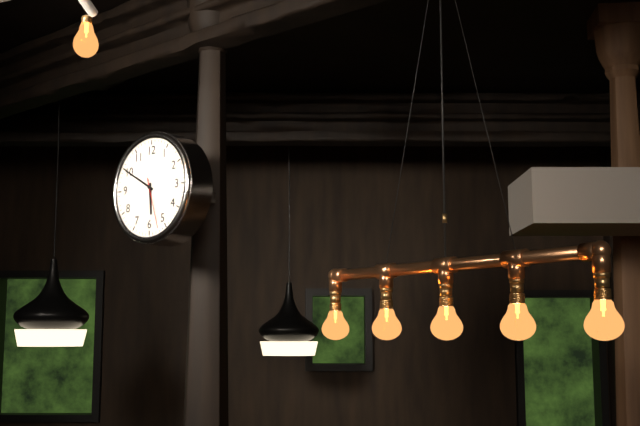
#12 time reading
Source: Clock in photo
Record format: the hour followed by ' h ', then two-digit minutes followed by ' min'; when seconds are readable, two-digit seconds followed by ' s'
5 h 50 min 27 s
